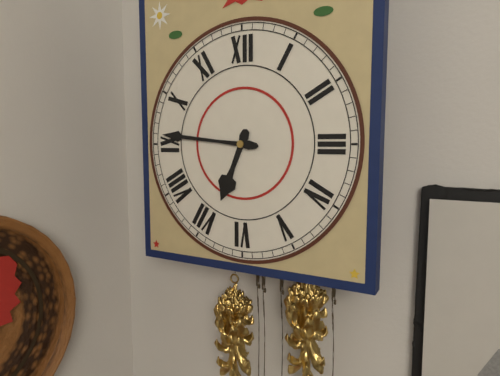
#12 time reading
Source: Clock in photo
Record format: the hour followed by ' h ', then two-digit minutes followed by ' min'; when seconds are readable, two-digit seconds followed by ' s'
6 h 46 min
